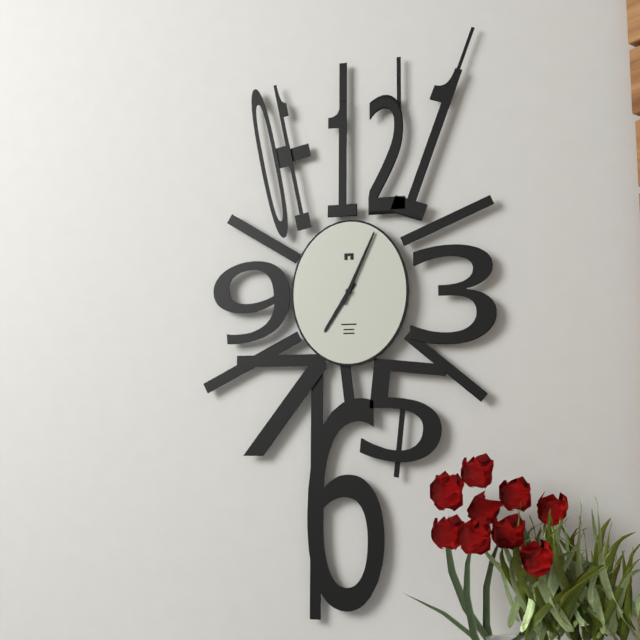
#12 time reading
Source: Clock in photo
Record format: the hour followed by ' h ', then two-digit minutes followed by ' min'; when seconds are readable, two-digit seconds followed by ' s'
7 h 04 min
